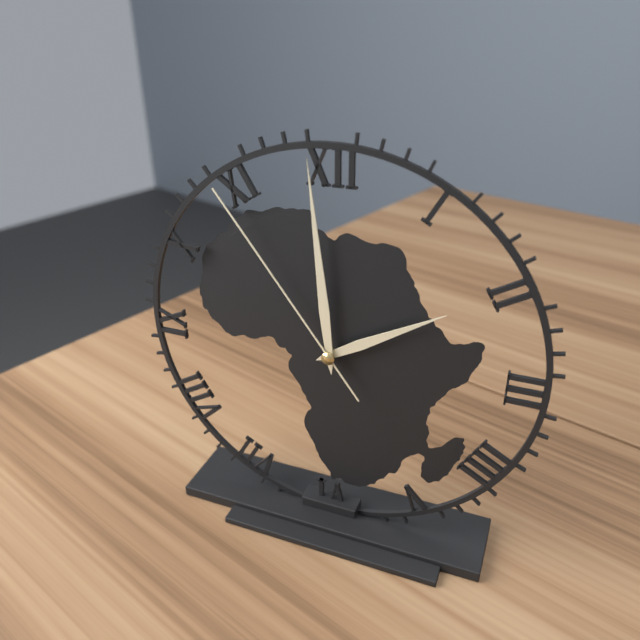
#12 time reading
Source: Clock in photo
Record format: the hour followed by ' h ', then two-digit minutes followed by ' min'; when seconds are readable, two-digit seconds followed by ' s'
1 h 59 min 54 s
